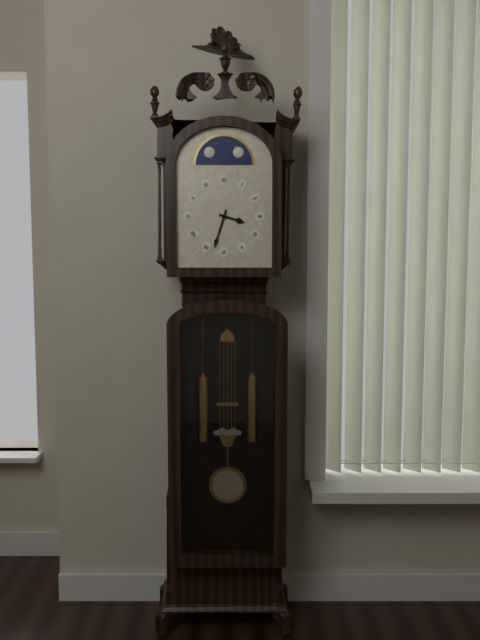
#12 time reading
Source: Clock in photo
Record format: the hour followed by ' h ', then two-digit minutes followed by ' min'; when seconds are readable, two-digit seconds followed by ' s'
3 h 33 min
